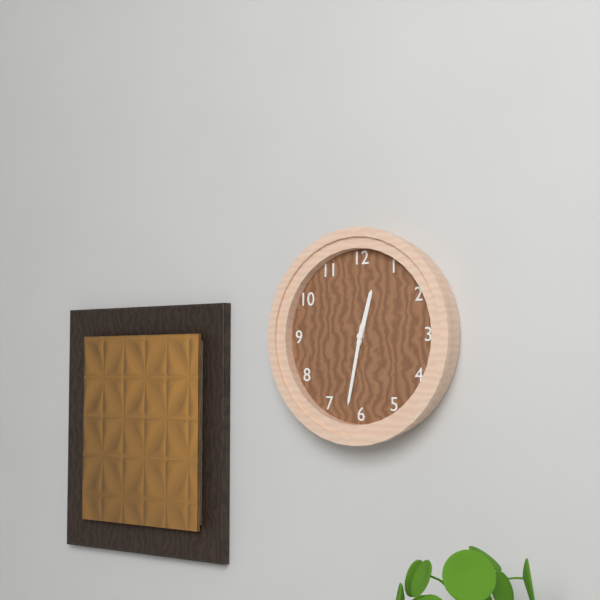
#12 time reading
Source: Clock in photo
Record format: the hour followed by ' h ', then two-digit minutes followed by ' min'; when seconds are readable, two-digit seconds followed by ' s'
12 h 32 min
